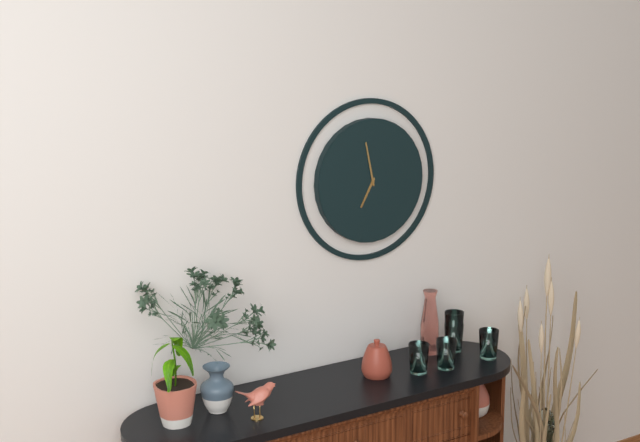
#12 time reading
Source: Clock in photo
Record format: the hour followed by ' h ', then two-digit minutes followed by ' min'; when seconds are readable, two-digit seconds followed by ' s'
6 h 58 min
